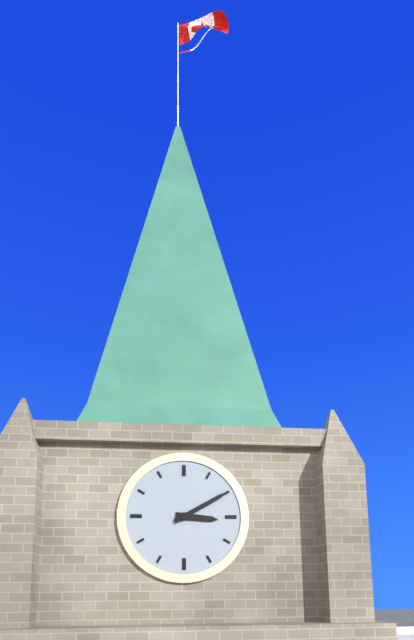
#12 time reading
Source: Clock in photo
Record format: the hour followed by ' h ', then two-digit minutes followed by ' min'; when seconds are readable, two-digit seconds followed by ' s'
3 h 10 min
